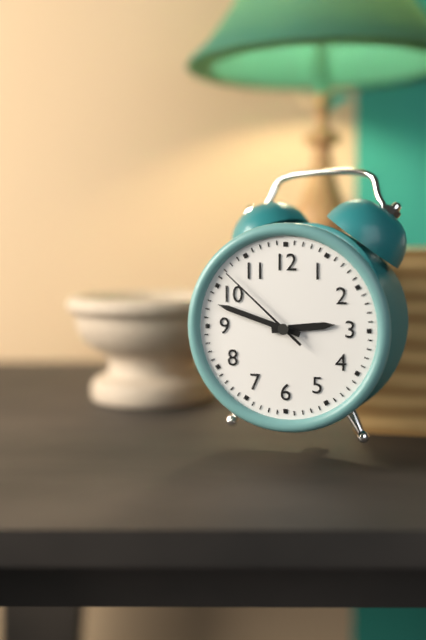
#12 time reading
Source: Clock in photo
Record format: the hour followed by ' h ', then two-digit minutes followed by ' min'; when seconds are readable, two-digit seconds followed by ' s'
2 h 48 min 52 s
